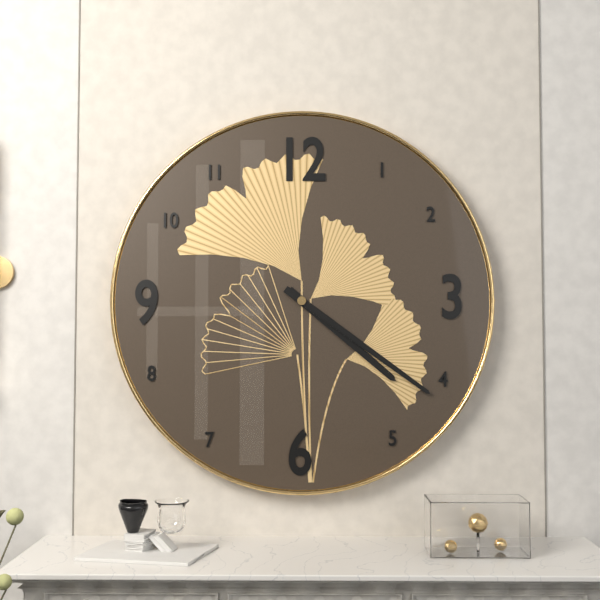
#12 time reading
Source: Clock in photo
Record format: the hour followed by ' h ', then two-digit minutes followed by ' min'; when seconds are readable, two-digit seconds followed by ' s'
4 h 21 min
